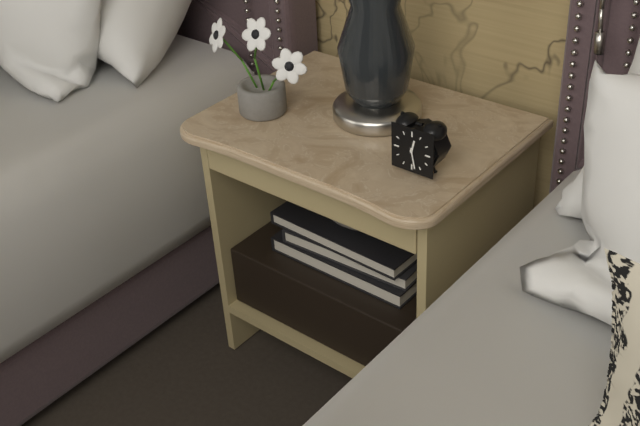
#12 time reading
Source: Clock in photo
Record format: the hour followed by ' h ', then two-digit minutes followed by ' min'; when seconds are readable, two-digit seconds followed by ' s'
12 h 28 min
